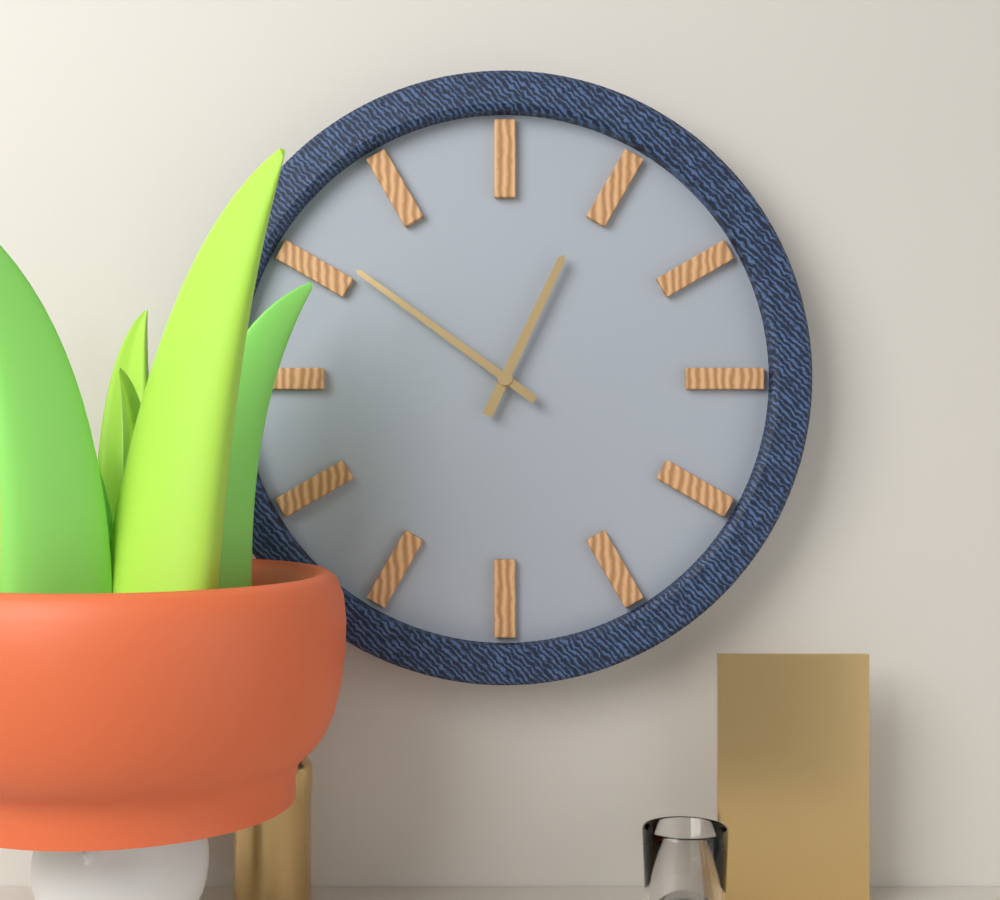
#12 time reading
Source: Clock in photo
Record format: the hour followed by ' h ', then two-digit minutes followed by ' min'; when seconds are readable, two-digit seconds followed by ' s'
12 h 51 min
